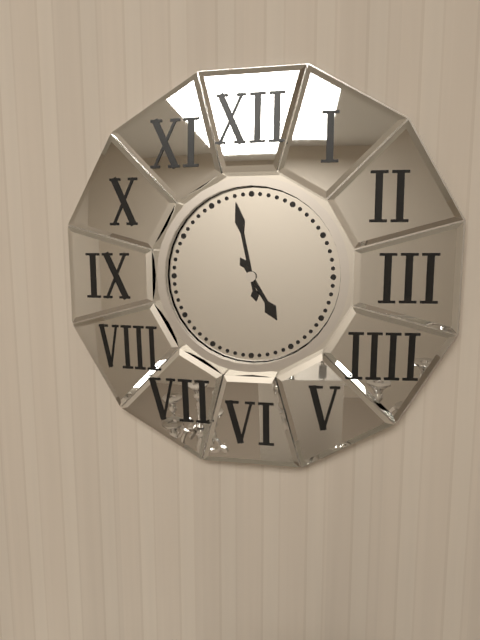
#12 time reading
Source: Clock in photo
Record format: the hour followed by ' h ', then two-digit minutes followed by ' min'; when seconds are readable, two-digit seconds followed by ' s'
4 h 58 min
